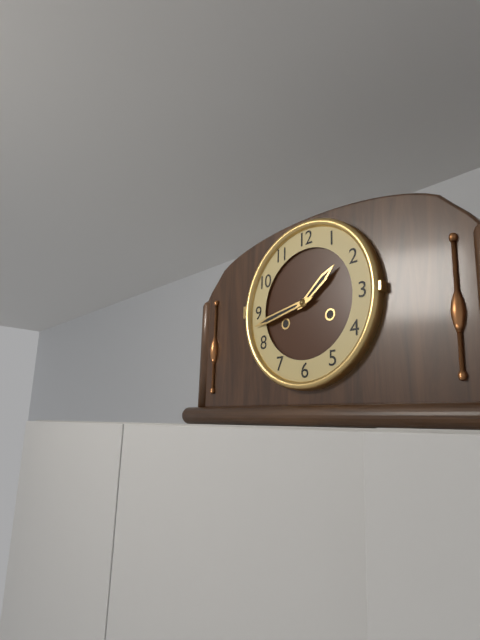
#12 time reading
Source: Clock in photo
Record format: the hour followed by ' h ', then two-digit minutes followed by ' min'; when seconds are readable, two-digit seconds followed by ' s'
1 h 43 min
